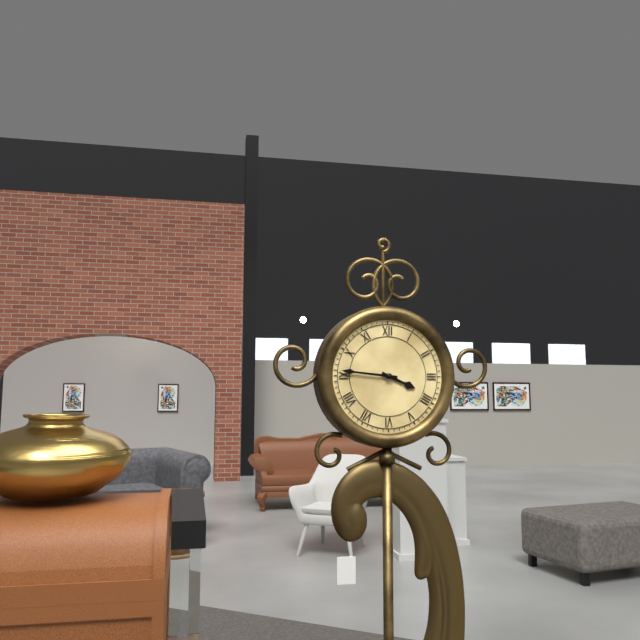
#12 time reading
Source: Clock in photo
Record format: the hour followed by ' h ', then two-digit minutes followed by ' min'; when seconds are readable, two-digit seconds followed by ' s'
3 h 46 min
